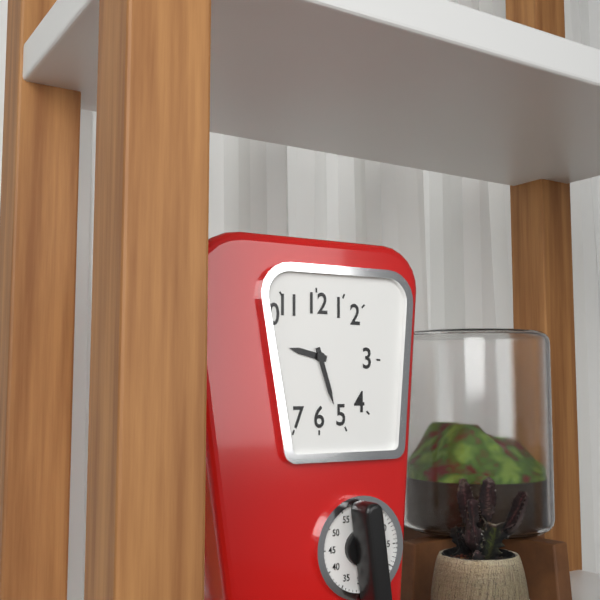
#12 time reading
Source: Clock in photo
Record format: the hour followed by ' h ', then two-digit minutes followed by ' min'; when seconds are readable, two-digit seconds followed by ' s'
9 h 27 min
